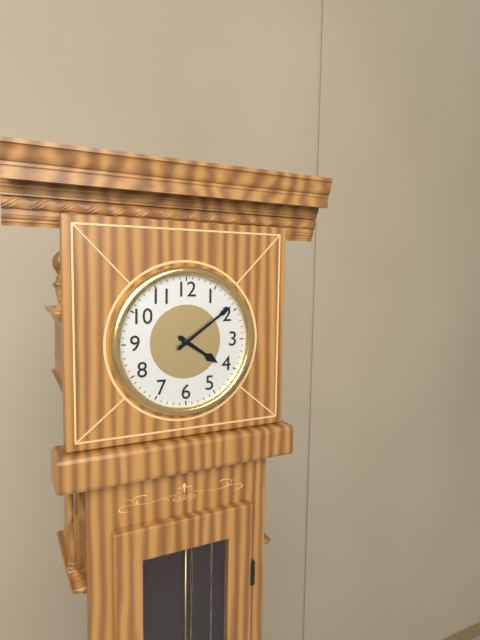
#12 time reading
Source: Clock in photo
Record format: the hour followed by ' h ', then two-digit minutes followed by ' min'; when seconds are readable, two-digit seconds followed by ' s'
4 h 09 min
